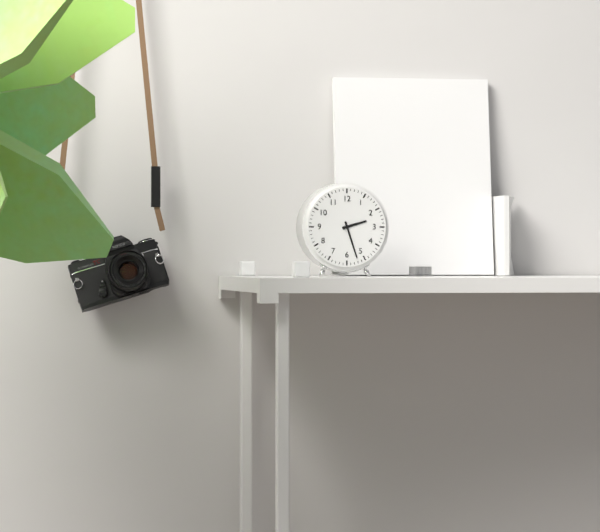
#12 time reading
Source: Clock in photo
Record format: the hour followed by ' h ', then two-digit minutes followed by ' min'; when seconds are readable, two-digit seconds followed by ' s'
2 h 27 min
